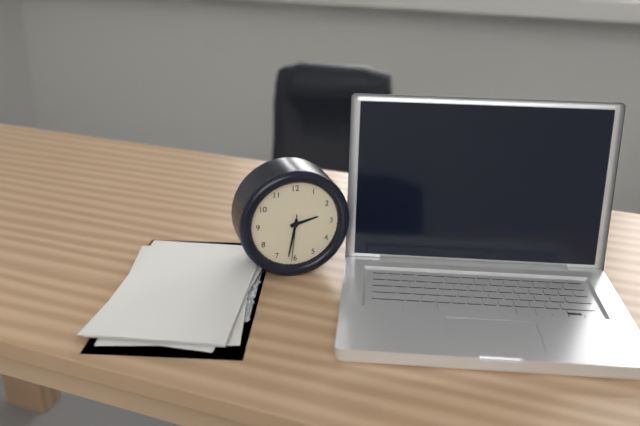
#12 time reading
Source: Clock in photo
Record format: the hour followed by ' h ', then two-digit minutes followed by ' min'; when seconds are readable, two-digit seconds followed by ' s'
2 h 32 min
